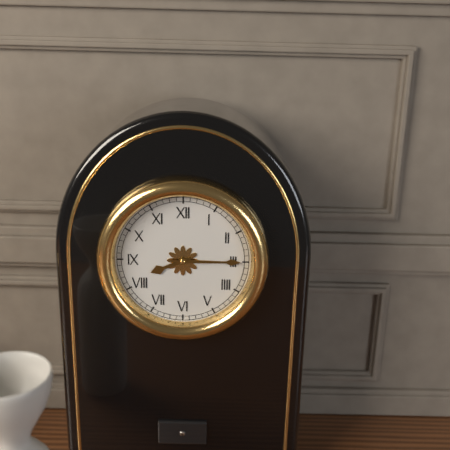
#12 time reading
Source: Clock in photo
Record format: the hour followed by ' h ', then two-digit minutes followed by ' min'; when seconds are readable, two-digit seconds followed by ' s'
8 h 15 min
